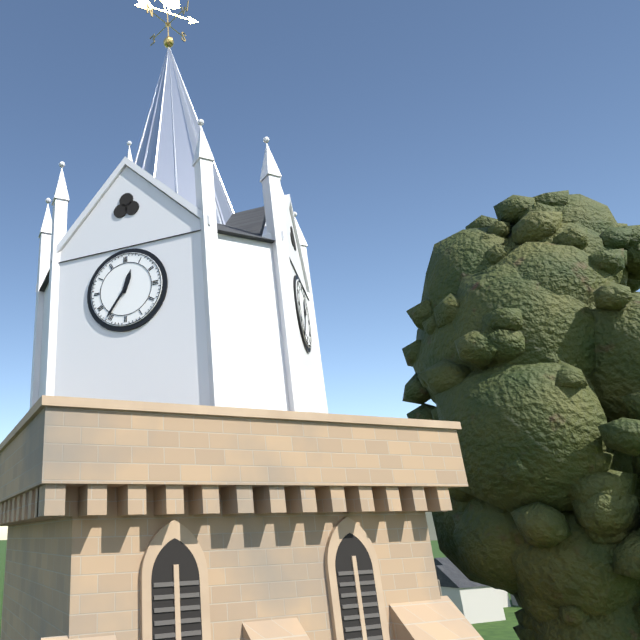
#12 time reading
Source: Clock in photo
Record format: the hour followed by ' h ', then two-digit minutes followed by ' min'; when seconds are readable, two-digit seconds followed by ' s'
12 h 36 min
